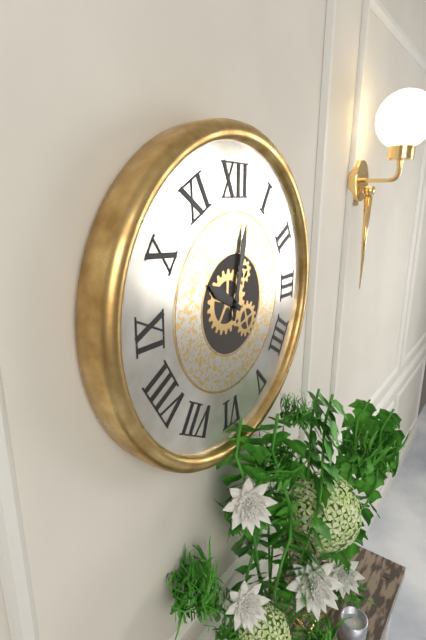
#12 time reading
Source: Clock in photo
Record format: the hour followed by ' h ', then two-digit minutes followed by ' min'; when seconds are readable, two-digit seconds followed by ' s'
10 h 02 min
